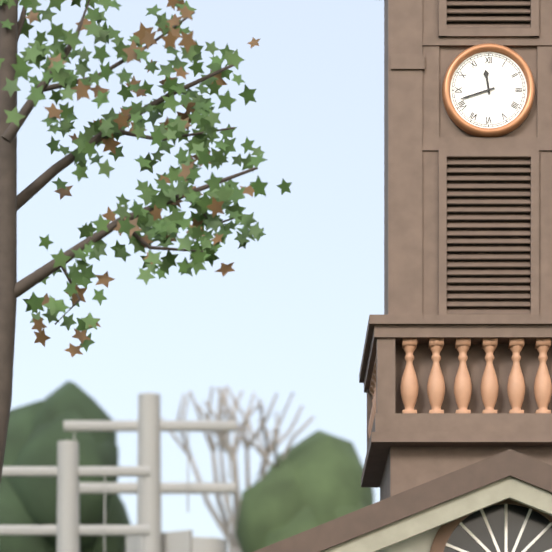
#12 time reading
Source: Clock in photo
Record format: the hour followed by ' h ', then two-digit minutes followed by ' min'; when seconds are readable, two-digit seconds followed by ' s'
11 h 42 min
